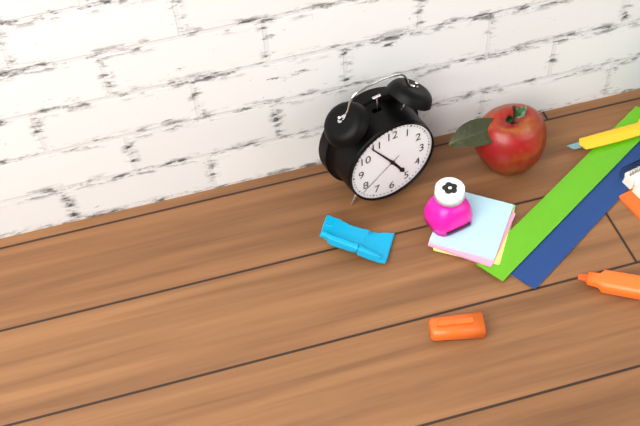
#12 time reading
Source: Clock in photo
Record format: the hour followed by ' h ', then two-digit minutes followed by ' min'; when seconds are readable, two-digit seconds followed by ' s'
4 h 54 min 39 s
